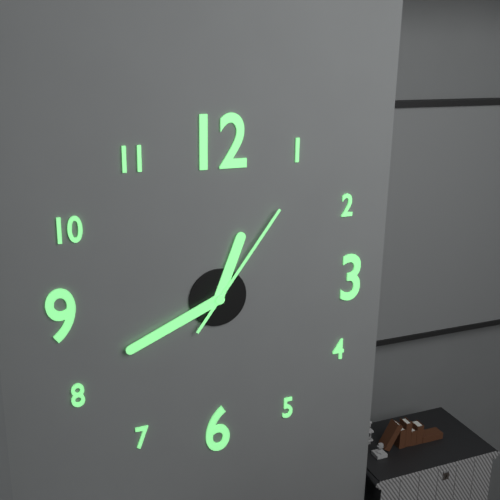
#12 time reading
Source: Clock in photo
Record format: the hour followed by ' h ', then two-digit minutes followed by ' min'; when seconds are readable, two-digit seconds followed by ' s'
12 h 41 min 06 s
